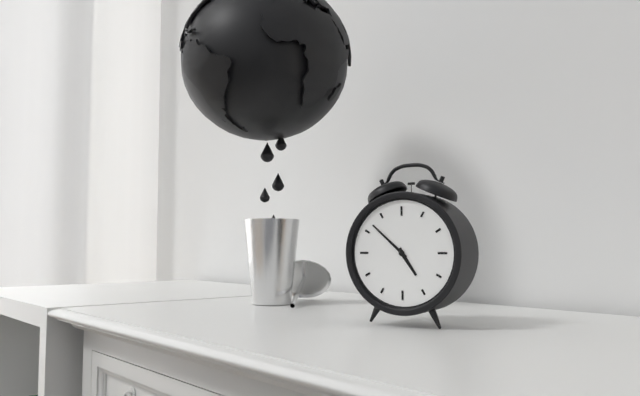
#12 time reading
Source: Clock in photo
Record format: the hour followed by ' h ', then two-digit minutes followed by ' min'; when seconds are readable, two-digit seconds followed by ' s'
4 h 52 min
